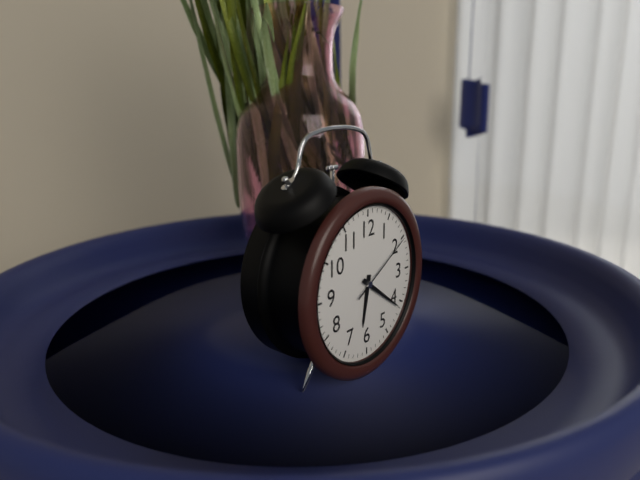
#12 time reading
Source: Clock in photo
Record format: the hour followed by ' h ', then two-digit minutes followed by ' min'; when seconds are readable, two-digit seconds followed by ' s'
6 h 21 min 10 s
